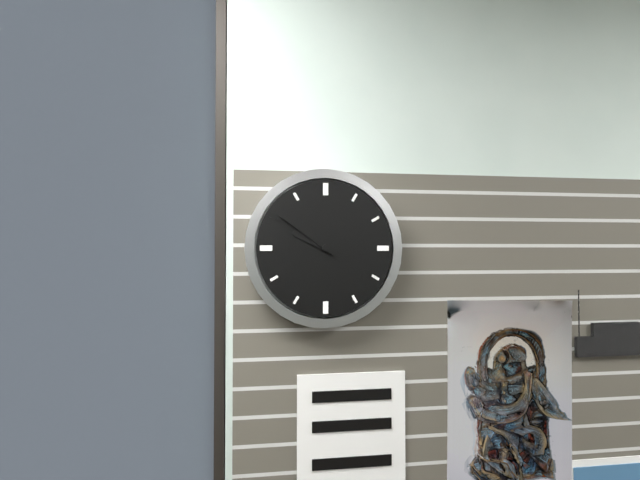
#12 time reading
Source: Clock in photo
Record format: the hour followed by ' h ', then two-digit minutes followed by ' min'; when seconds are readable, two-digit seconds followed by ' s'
9 h 51 min
